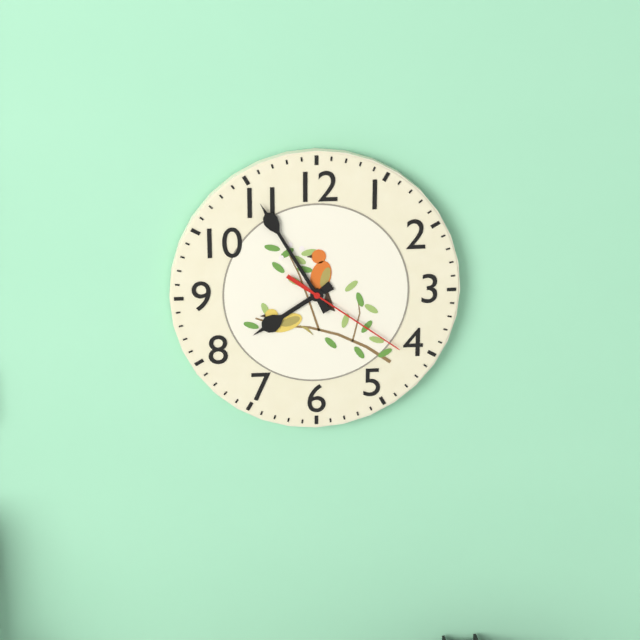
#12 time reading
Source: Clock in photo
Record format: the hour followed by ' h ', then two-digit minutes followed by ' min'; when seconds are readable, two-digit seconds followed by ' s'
7 h 55 min 21 s
